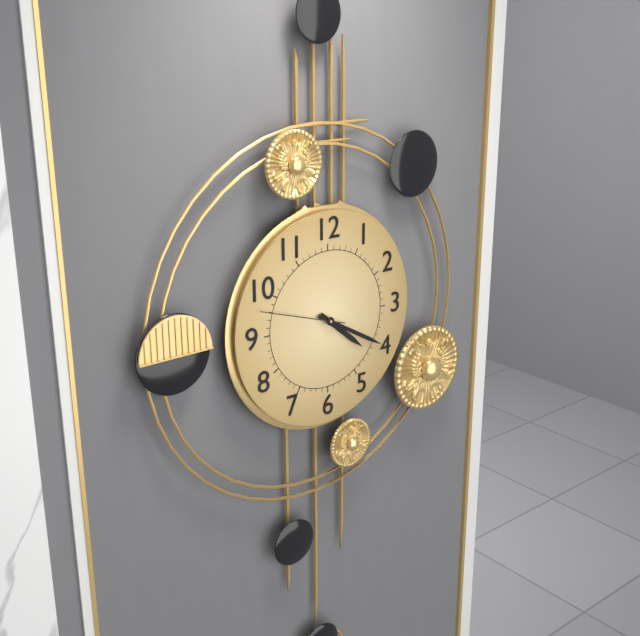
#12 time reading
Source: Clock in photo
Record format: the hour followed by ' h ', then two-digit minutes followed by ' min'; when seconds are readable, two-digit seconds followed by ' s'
4 h 20 min 48 s
